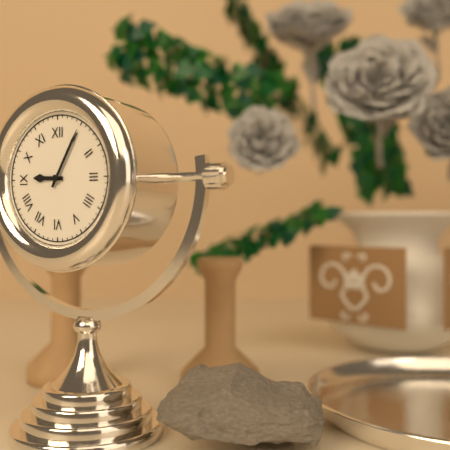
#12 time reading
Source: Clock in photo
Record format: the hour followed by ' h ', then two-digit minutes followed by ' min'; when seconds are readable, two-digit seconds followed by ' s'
9 h 05 min
